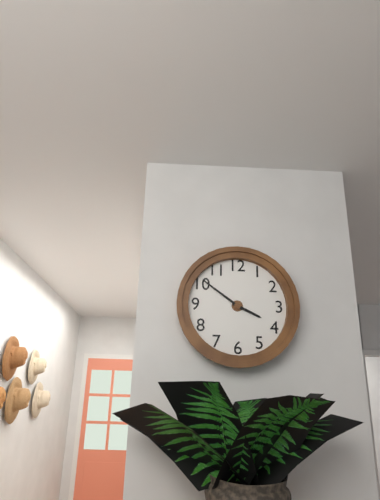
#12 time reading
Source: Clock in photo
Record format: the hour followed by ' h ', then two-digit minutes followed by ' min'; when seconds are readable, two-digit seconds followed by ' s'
3 h 51 min
